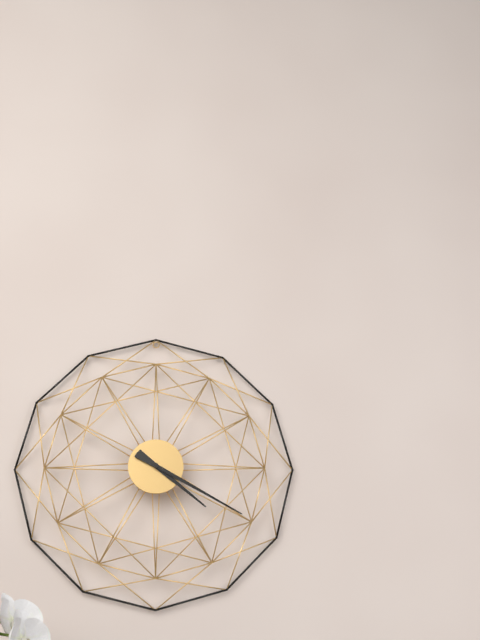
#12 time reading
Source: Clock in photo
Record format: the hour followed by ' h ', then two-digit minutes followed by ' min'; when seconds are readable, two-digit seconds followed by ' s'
4 h 20 min
